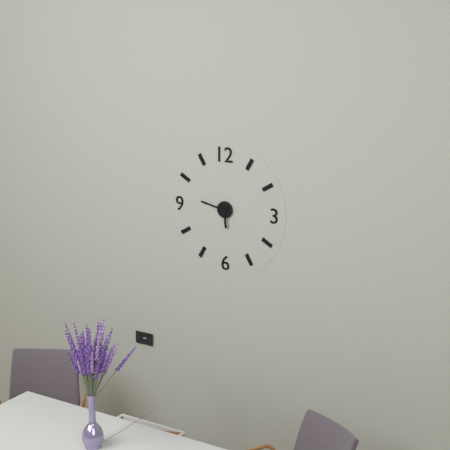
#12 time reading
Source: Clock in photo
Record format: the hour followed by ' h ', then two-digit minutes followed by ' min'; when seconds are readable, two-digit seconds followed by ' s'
5 h 47 min
